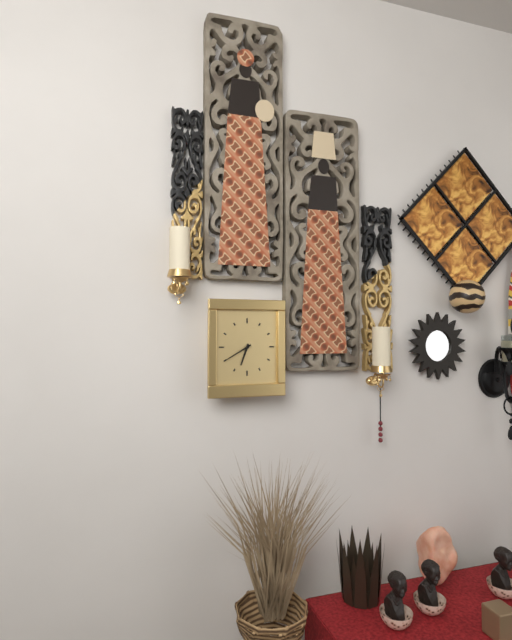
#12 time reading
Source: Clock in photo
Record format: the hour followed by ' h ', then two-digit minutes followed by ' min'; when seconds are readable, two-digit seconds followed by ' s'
6 h 40 min
